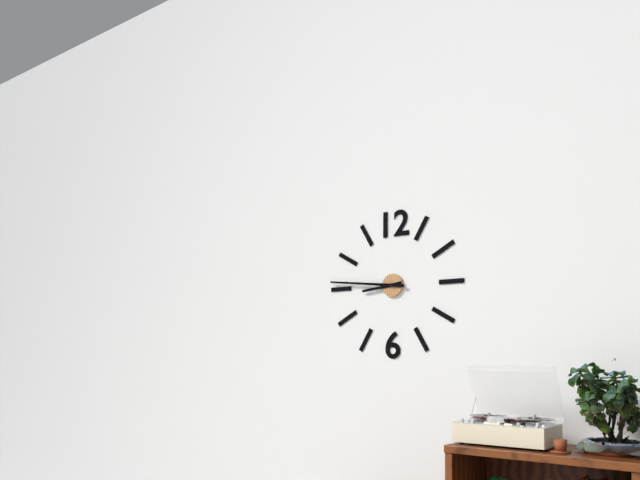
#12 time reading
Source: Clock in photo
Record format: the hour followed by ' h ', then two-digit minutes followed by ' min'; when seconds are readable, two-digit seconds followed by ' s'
8 h 46 min
